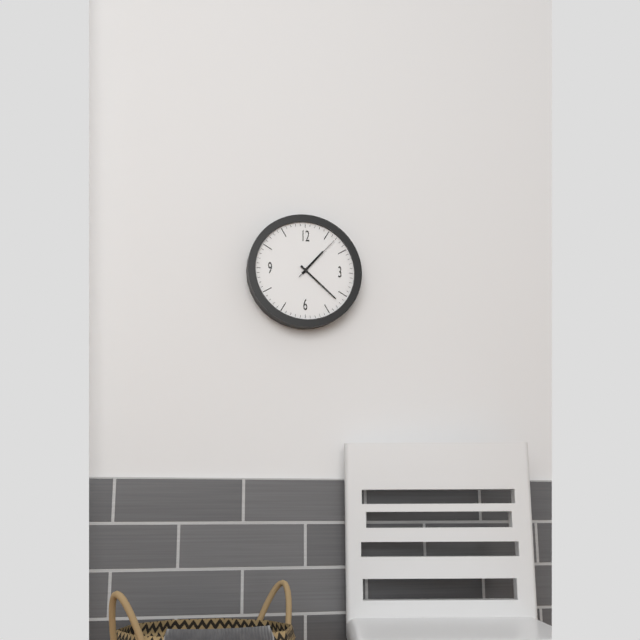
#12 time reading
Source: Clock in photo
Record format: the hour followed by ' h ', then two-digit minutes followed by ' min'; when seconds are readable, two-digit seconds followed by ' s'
1 h 22 min 07 s
